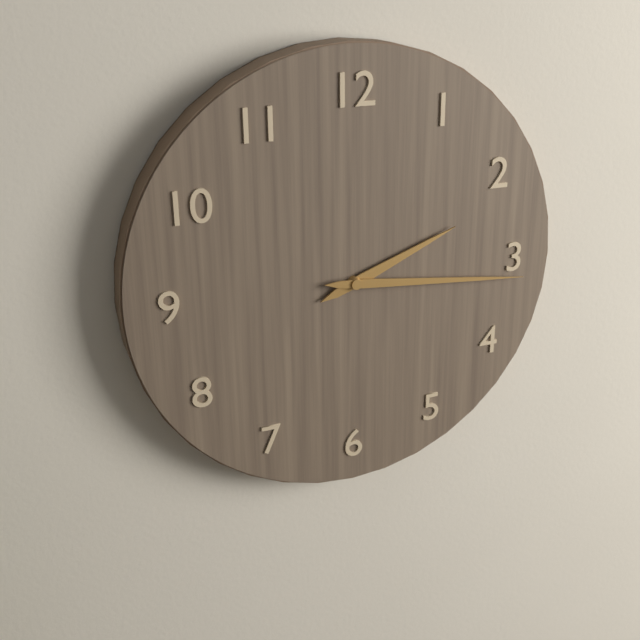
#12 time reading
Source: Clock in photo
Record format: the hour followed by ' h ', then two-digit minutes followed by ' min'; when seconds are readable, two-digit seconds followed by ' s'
2 h 16 min
